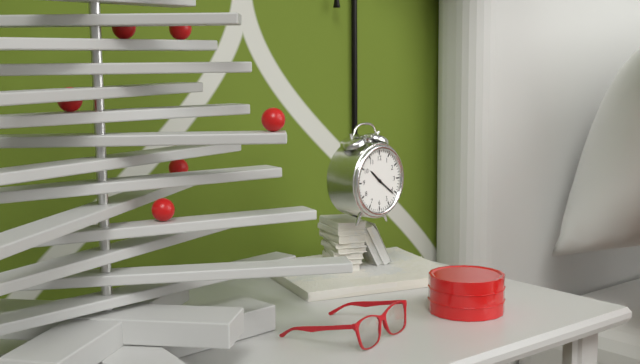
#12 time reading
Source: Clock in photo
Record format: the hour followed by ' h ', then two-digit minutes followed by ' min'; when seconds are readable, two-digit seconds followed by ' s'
10 h 21 min
